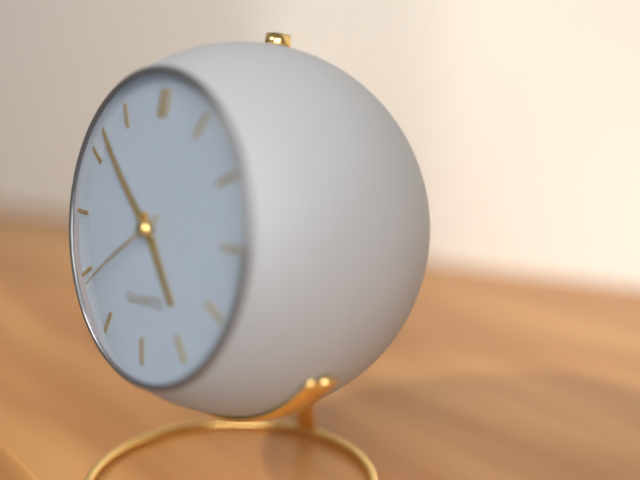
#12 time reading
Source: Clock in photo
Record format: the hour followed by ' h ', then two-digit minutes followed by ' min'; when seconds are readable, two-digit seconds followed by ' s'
4 h 52 min 39 s
